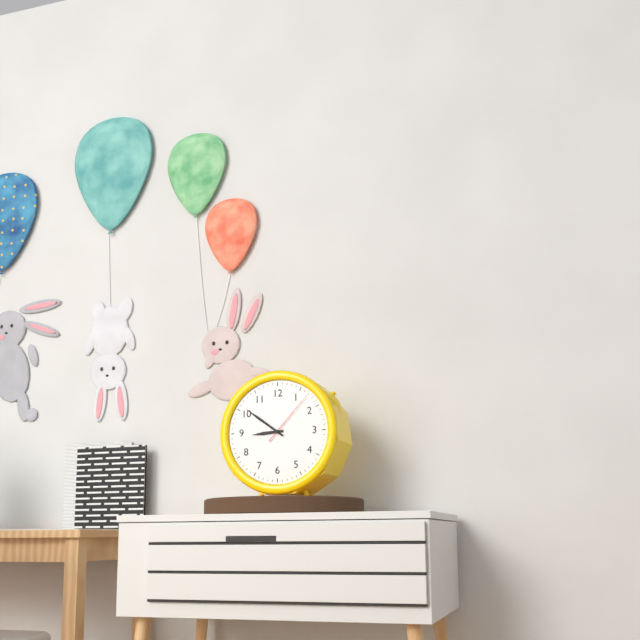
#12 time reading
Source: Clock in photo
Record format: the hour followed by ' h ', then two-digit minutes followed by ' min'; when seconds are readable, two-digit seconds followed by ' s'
8 h 51 min 07 s
